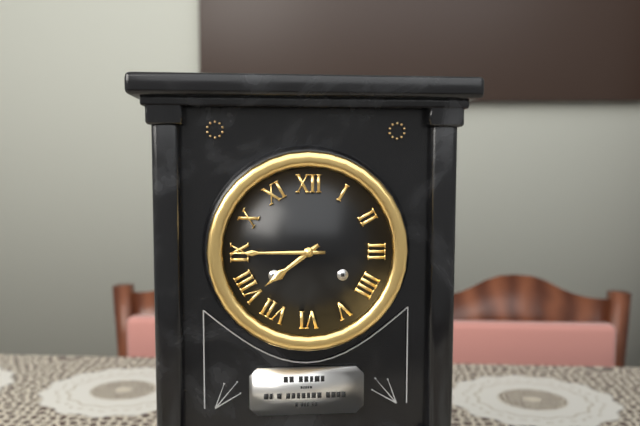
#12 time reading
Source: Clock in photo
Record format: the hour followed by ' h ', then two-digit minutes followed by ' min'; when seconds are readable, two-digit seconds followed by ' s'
7 h 45 min
